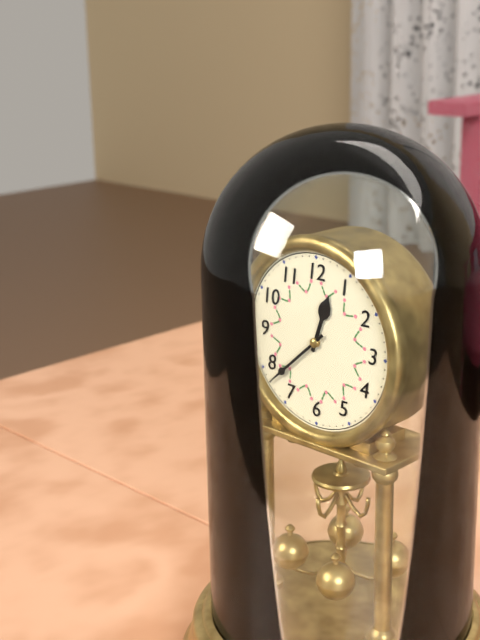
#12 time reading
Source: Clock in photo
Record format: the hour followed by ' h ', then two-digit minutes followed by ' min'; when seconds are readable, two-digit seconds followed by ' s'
12 h 38 min
